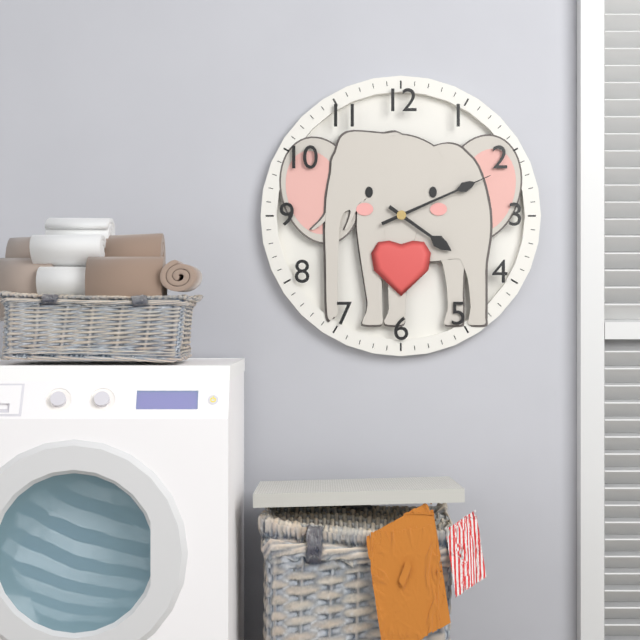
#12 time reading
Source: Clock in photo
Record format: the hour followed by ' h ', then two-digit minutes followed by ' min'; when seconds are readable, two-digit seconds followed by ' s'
4 h 11 min
